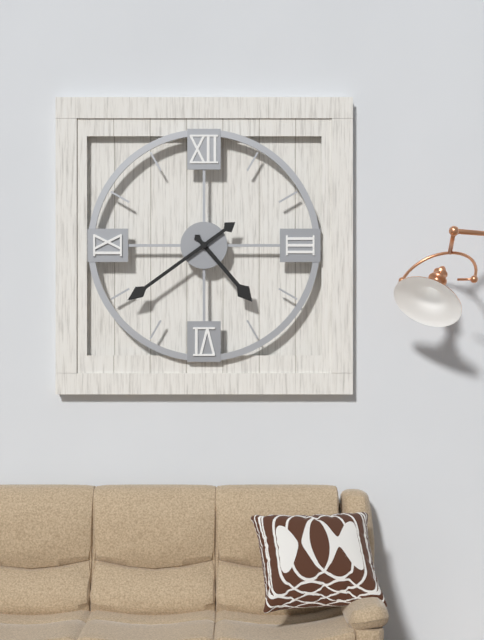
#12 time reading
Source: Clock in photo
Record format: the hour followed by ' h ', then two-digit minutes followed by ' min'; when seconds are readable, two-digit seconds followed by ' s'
4 h 39 min
